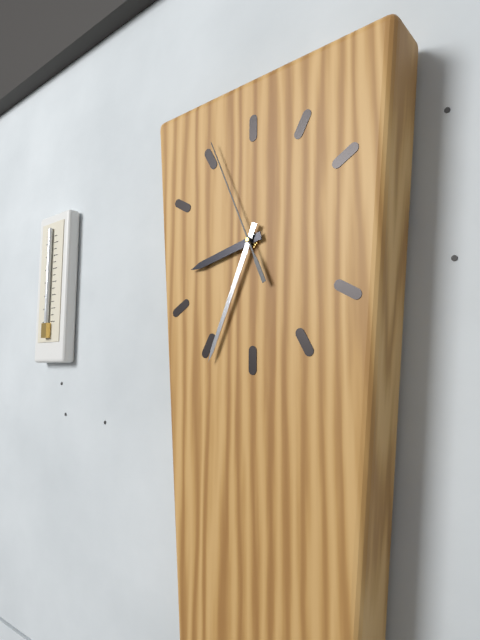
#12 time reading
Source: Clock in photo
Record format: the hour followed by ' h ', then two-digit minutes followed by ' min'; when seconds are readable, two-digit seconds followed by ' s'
8 h 34 min 56 s
